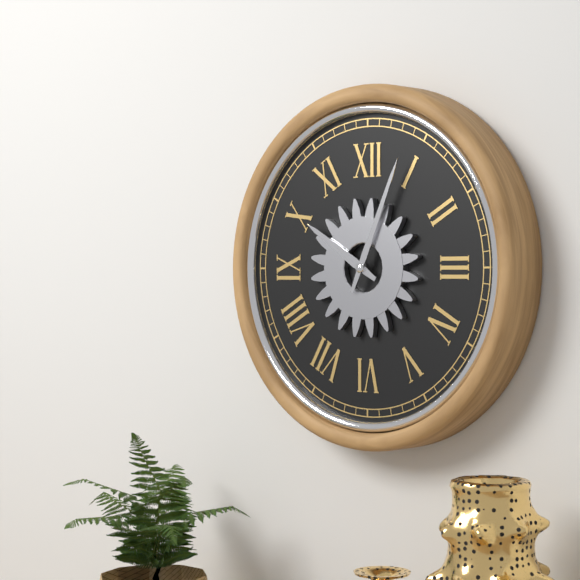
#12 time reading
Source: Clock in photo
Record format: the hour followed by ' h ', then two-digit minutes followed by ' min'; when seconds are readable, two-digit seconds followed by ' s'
10 h 04 min
